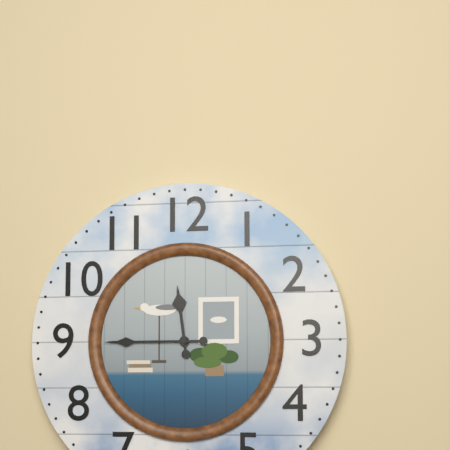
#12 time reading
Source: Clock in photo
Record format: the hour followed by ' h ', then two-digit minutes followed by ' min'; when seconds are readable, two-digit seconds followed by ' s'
11 h 45 min
